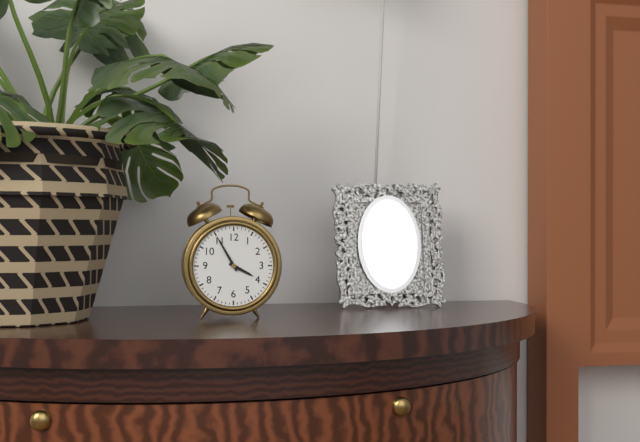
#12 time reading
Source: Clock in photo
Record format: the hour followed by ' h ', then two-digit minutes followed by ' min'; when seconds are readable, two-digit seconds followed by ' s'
3 h 55 min
